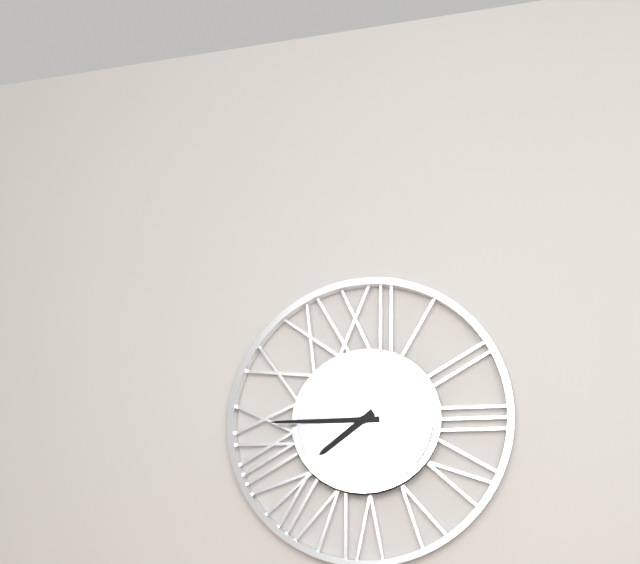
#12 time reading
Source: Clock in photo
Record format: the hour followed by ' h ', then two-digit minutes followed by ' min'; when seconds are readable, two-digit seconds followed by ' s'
7 h 45 min
